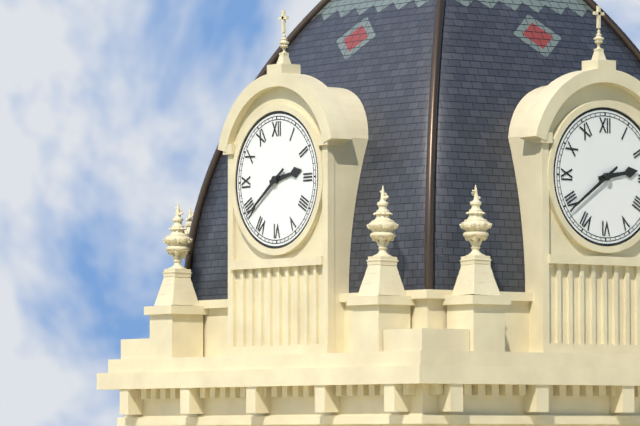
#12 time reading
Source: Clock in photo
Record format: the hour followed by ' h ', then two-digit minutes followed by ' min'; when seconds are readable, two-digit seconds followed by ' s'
2 h 39 min
